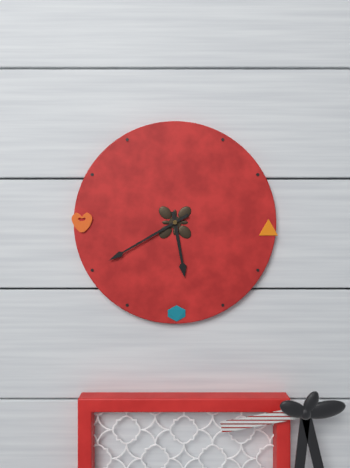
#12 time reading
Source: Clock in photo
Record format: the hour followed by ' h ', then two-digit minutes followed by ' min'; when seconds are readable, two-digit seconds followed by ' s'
5 h 40 min
